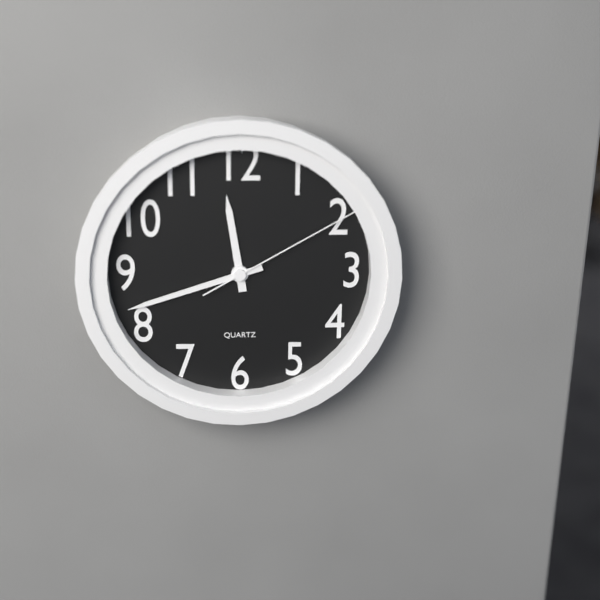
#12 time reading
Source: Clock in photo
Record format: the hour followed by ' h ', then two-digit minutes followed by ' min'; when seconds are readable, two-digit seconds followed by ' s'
11 h 42 min 10 s
